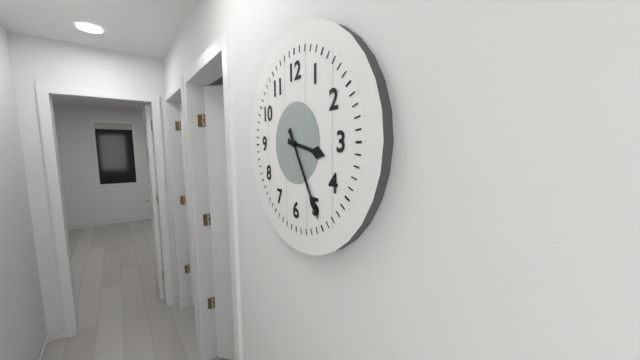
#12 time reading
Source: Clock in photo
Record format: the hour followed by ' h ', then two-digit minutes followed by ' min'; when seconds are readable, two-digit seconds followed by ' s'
3 h 25 min
